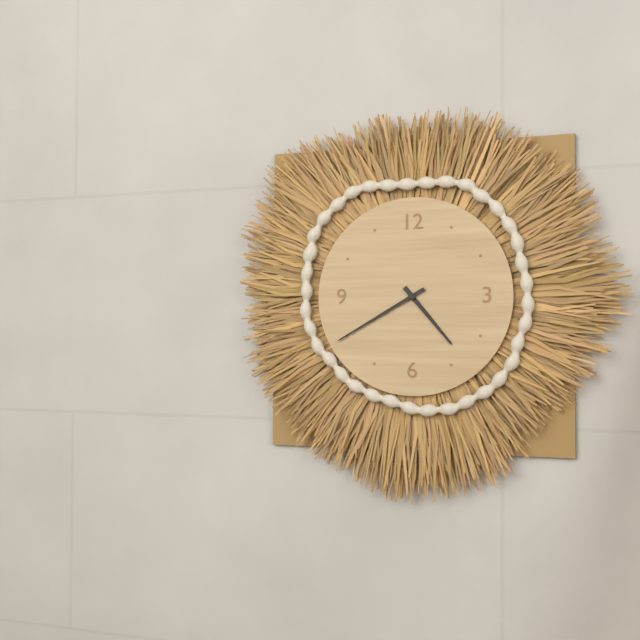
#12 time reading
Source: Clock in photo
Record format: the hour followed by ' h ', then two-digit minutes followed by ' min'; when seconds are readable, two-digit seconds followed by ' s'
4 h 40 min
